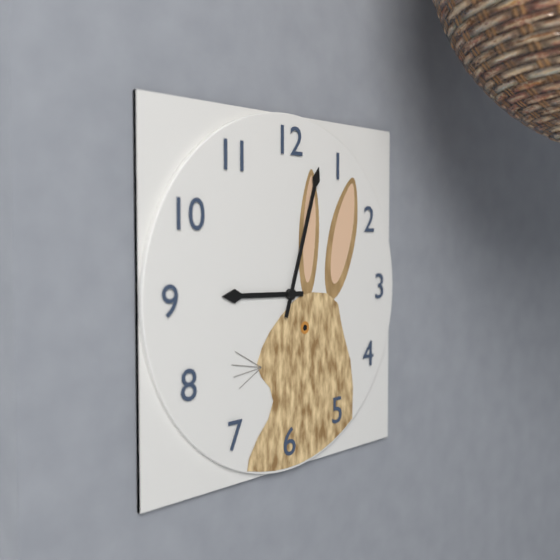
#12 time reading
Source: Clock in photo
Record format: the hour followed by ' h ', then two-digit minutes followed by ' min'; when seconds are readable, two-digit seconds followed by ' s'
9 h 03 min
